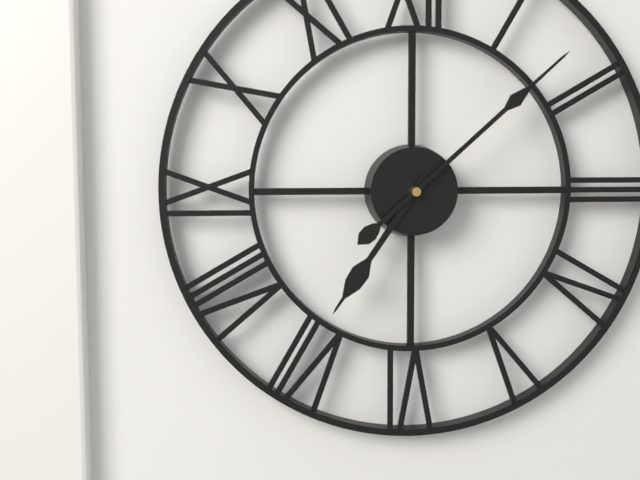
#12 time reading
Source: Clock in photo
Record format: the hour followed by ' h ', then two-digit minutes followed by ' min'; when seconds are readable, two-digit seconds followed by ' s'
7 h 08 min
